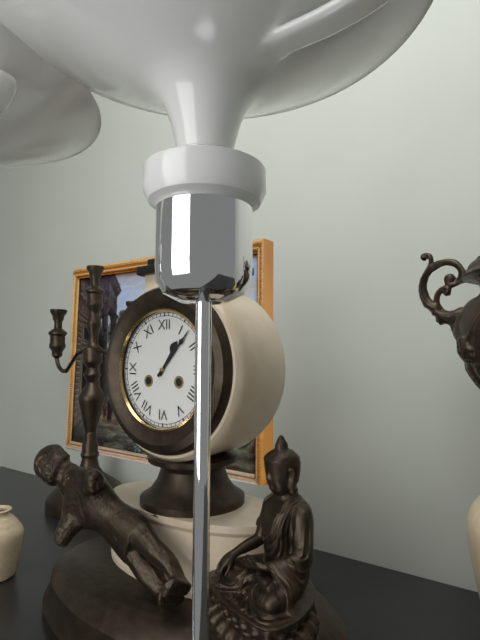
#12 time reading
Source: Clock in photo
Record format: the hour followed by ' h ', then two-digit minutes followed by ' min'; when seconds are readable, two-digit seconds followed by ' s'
1 h 07 min
